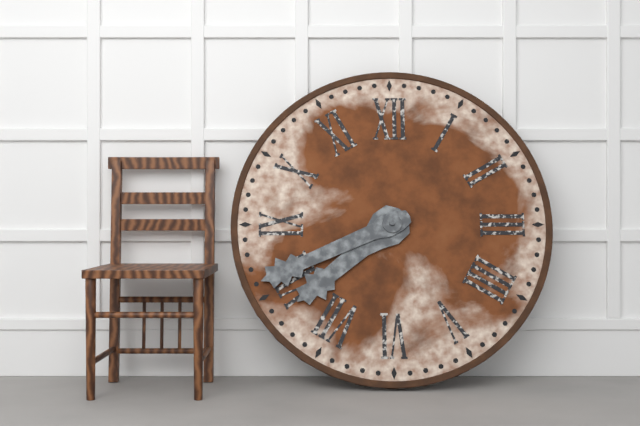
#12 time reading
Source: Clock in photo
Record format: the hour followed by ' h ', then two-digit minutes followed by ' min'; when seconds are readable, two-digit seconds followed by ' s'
7 h 41 min
